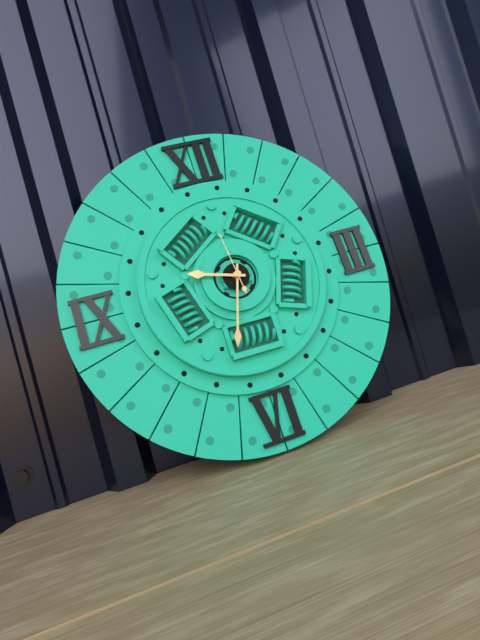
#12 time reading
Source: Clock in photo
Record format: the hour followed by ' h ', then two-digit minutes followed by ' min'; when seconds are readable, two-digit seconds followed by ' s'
9 h 33 min 59 s
